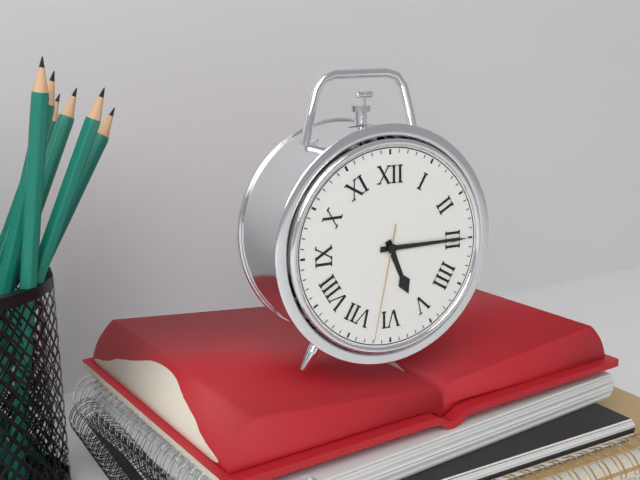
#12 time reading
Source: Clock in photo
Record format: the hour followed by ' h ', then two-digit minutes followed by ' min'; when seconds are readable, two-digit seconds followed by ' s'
5 h 15 min 32 s
